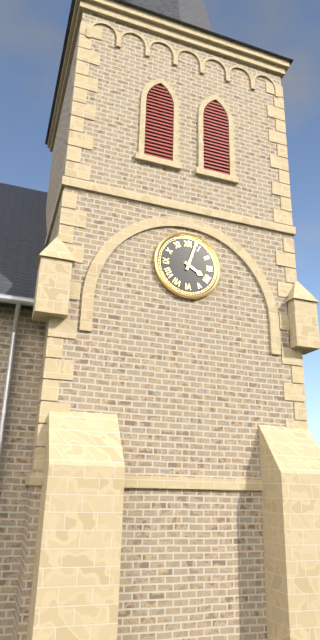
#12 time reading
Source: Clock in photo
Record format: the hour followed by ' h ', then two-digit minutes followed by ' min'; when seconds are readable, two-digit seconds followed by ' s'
4 h 03 min
